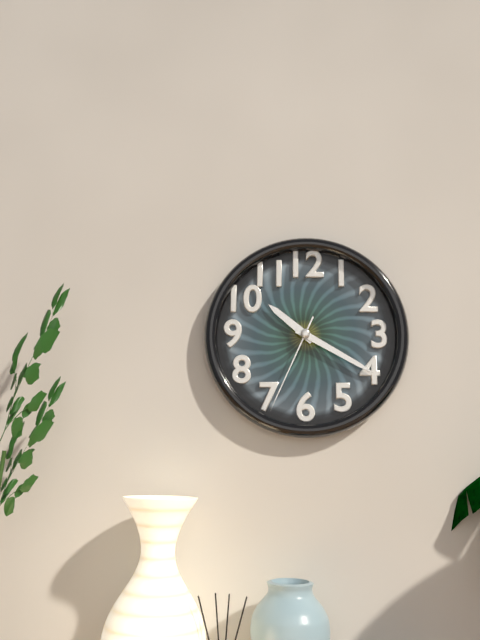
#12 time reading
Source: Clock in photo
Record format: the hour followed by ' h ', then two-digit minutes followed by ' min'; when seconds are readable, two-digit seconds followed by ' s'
10 h 20 min 34 s
